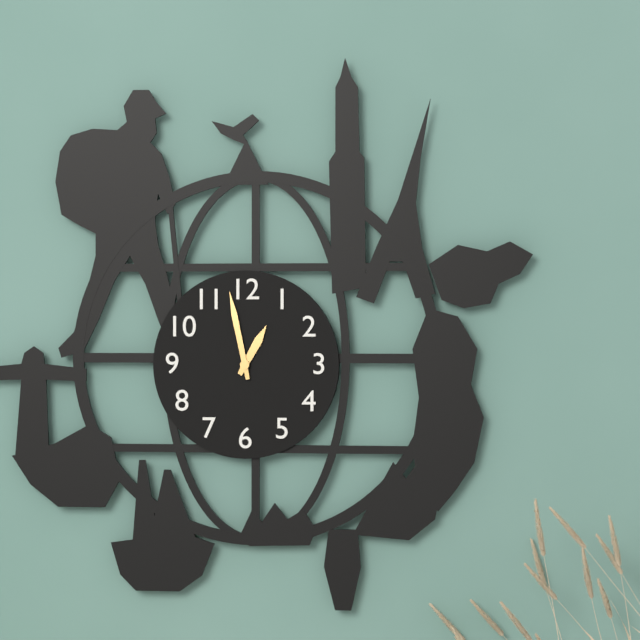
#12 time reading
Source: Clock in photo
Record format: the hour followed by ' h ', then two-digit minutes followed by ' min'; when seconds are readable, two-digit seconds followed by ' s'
12 h 58 min
